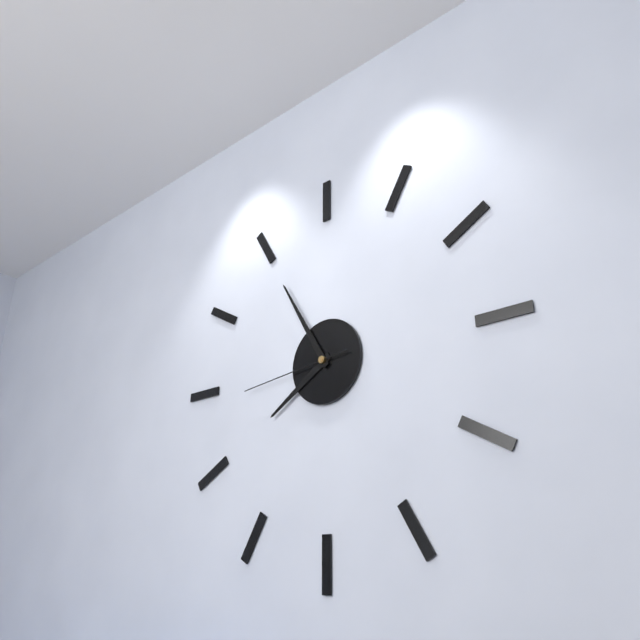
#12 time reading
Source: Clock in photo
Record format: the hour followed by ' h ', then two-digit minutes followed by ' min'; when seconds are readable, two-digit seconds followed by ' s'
7 h 55 min 44 s
